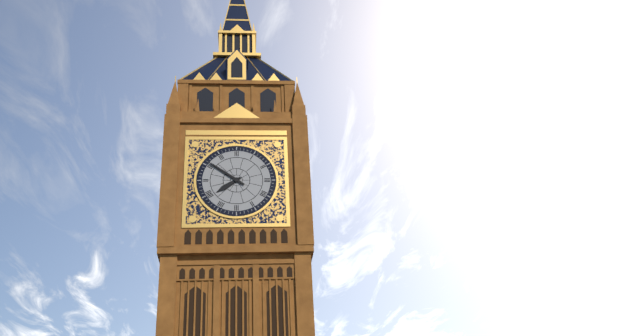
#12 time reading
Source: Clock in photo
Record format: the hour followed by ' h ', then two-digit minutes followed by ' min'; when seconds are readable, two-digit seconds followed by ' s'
7 h 51 min
